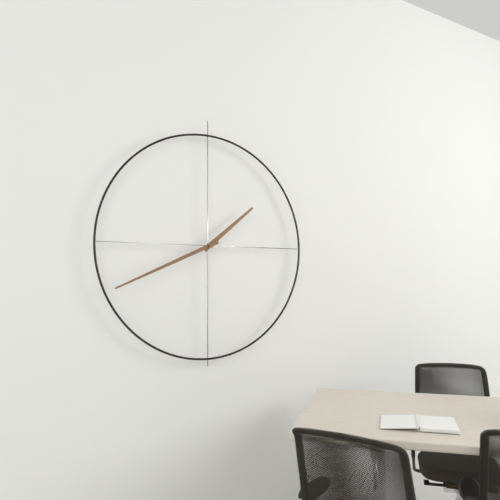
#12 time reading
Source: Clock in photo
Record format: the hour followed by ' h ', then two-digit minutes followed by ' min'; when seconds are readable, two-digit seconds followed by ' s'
1 h 41 min
